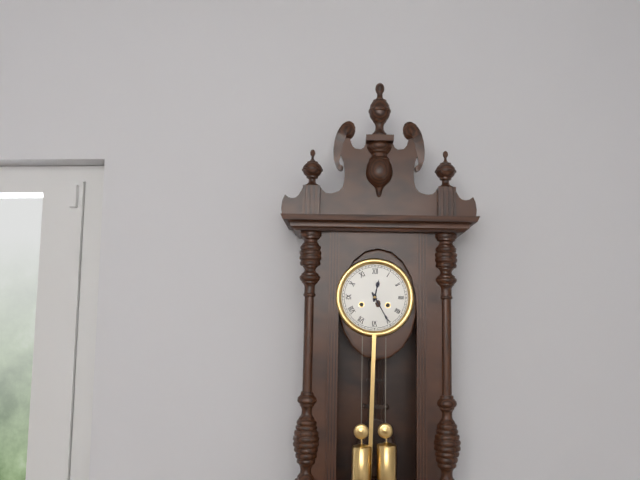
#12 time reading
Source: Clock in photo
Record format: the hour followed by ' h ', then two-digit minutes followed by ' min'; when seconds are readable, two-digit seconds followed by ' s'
12 h 25 min
